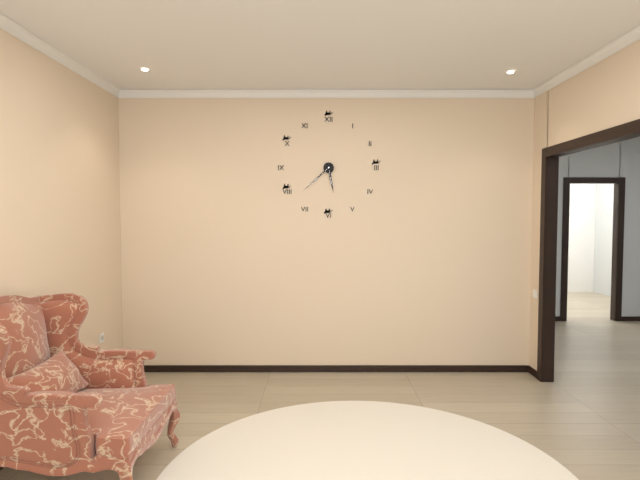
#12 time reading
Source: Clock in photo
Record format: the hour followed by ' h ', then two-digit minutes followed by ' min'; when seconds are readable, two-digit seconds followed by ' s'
5 h 38 min
